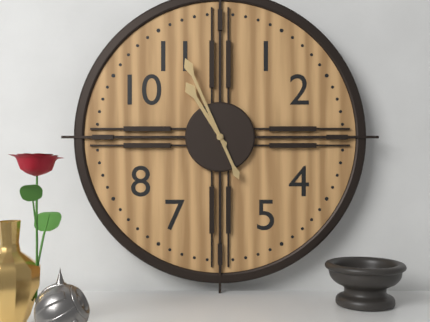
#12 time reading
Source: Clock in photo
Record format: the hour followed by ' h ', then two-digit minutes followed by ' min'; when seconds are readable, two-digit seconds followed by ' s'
10 h 56 min
